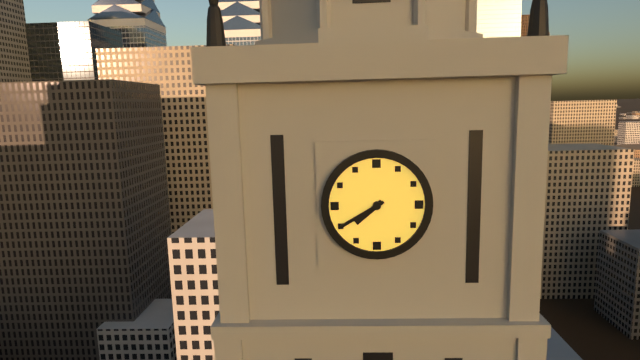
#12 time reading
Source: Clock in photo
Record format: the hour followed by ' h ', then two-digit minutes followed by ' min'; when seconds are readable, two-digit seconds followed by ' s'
7 h 40 min
